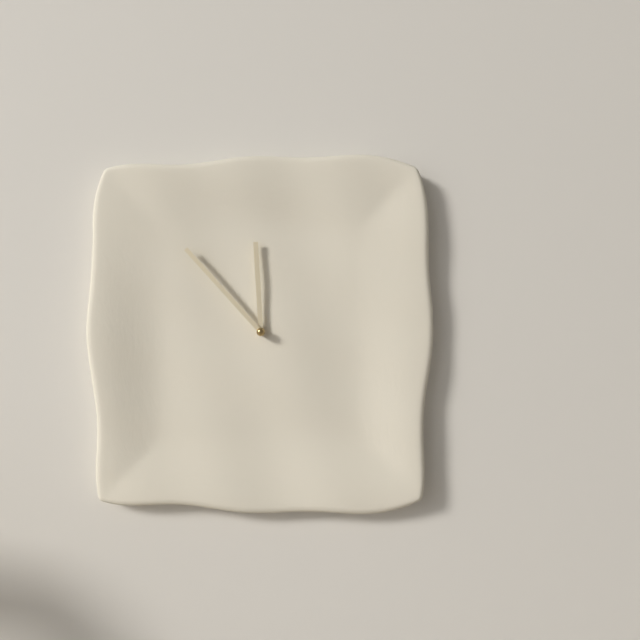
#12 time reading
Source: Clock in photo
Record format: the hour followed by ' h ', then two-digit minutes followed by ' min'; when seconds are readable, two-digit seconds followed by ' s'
11 h 53 min
